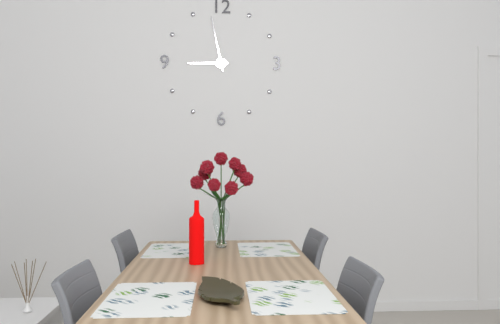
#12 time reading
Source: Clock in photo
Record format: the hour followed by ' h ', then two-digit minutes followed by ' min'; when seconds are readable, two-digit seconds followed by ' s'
8 h 58 min
